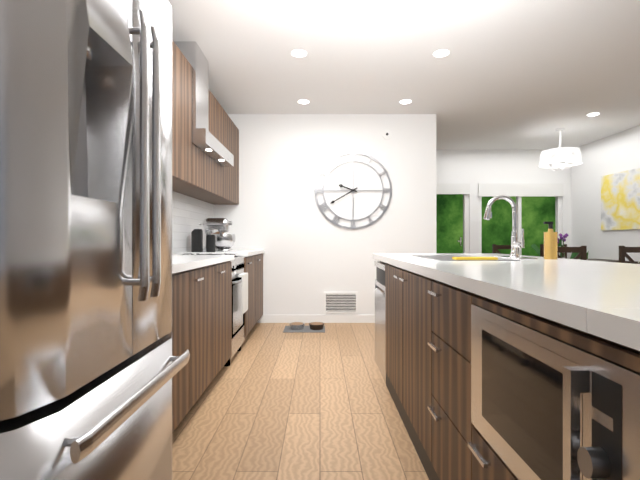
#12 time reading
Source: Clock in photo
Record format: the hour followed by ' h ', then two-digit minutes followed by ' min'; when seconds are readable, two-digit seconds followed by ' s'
9 h 40 min
